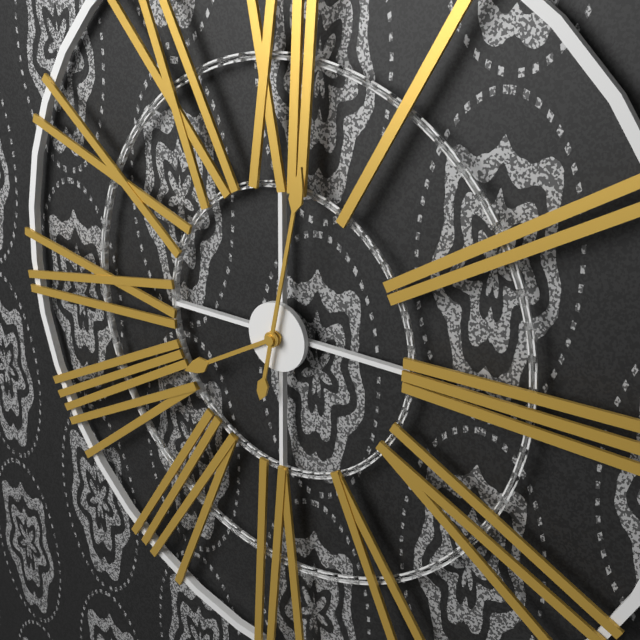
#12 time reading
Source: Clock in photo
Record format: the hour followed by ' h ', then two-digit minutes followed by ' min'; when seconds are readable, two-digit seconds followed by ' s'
8 h 02 min
